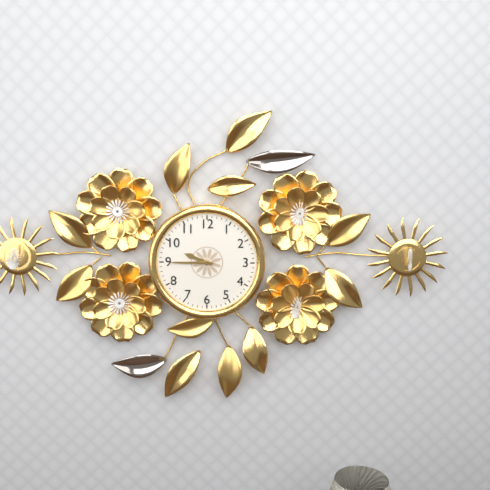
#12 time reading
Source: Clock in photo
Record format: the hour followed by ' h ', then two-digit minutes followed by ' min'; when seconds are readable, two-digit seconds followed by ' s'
9 h 45 min
